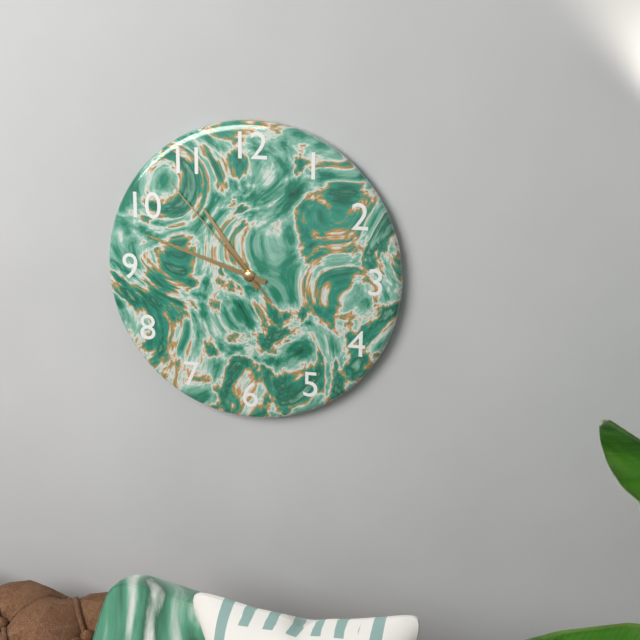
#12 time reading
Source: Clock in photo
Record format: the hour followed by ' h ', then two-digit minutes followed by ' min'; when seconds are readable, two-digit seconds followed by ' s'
10 h 48 min 53 s
